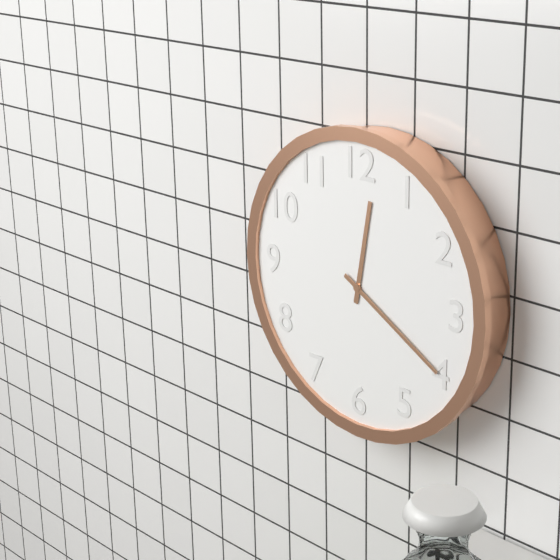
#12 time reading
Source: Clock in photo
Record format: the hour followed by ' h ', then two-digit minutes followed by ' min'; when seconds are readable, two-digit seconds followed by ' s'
12 h 20 min
